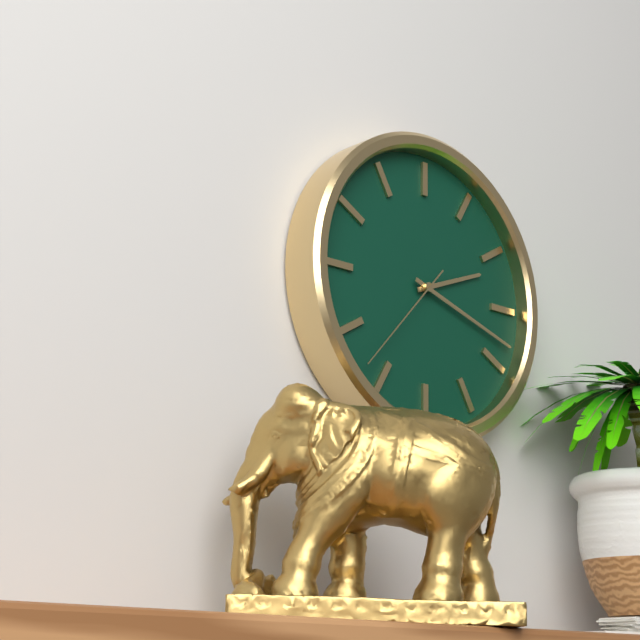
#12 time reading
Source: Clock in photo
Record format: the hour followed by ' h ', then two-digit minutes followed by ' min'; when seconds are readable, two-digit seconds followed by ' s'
2 h 18 min 37 s
